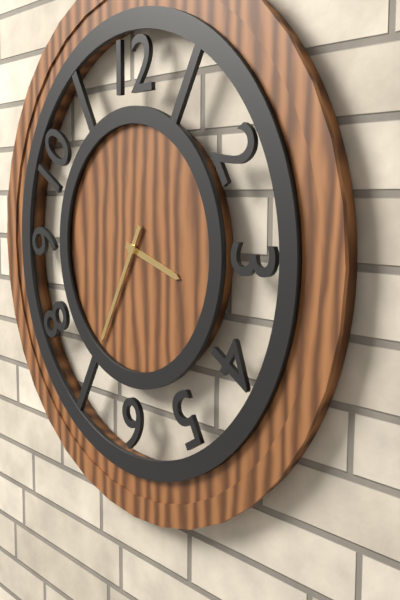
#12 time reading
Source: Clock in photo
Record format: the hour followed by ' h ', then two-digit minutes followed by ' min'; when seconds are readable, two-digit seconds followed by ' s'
3 h 35 min
